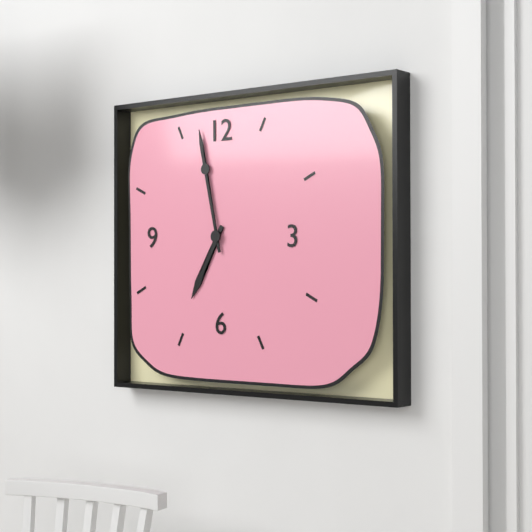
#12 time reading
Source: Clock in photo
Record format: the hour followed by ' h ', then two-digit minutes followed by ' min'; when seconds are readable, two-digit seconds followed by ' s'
6 h 58 min
